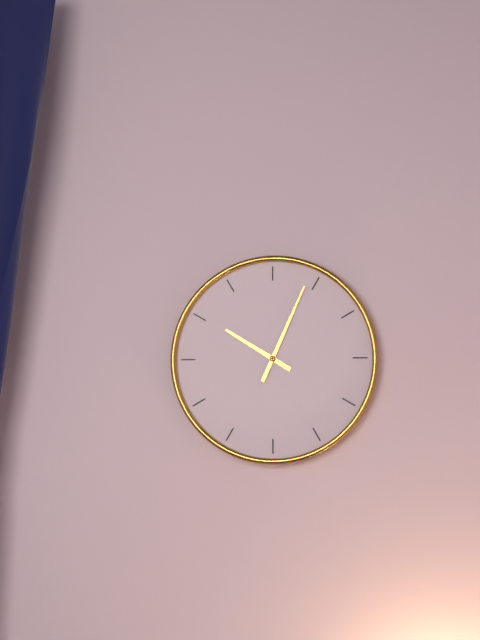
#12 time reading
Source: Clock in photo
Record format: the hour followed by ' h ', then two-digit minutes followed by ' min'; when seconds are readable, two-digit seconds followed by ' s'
10 h 04 min
